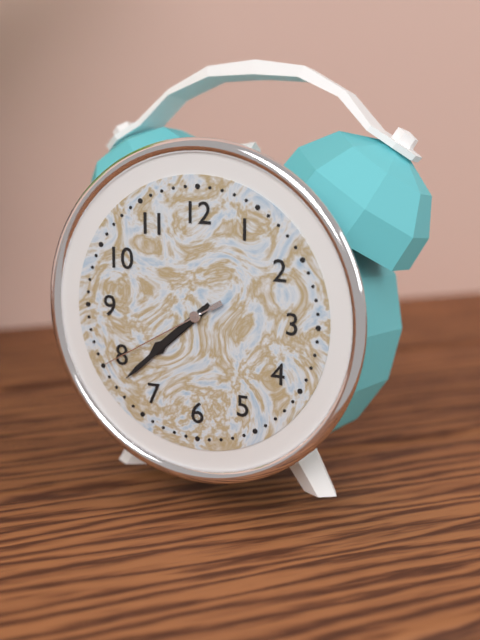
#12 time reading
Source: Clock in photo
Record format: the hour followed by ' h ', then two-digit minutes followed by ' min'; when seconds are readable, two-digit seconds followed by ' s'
7 h 38 min 40 s
